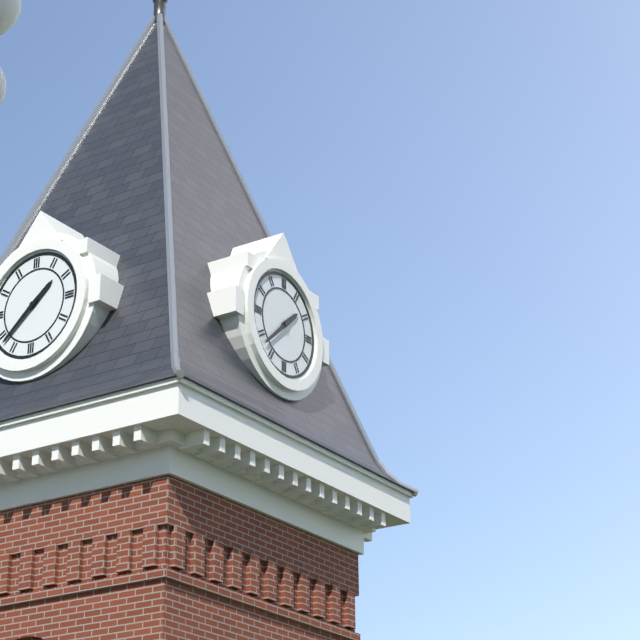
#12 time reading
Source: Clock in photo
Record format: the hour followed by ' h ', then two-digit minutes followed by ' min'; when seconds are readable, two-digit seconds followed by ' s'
1 h 38 min
